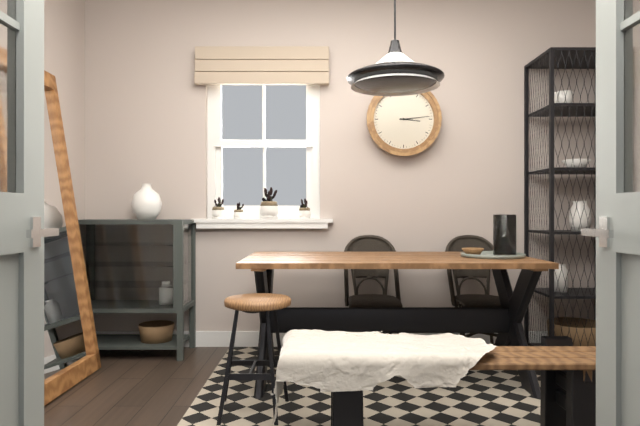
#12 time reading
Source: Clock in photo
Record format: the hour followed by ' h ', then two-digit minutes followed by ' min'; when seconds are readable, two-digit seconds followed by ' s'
3 h 14 min
